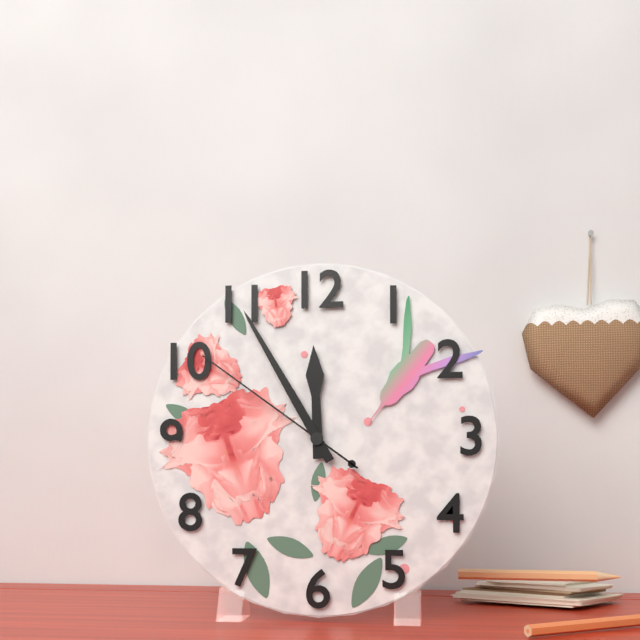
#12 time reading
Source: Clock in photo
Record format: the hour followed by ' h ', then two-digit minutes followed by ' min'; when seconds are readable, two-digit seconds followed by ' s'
11 h 55 min 51 s
